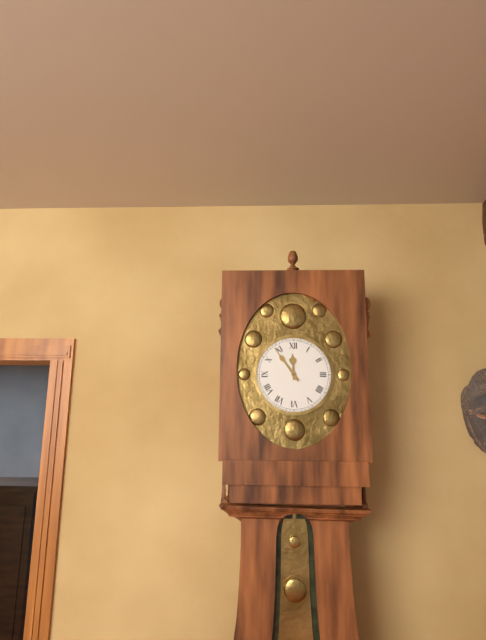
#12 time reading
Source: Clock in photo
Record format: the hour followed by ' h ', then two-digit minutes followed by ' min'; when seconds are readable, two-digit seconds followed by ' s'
11 h 54 min
